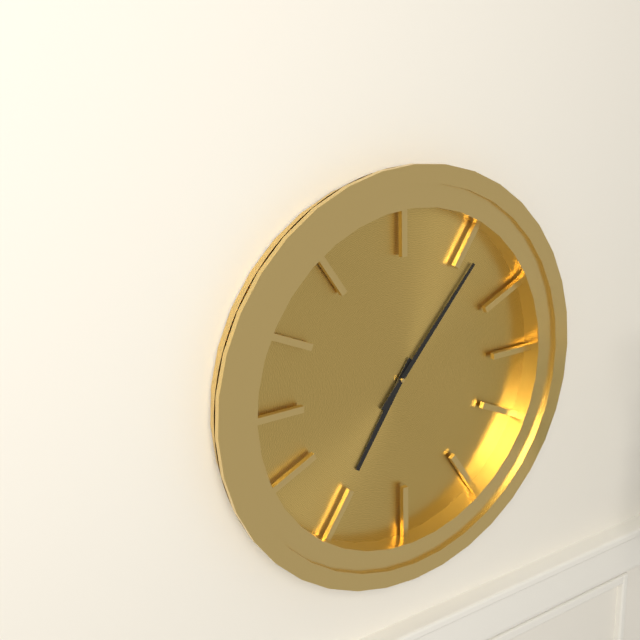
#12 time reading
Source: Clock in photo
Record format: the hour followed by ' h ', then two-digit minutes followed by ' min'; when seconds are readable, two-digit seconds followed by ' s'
7 h 07 min
